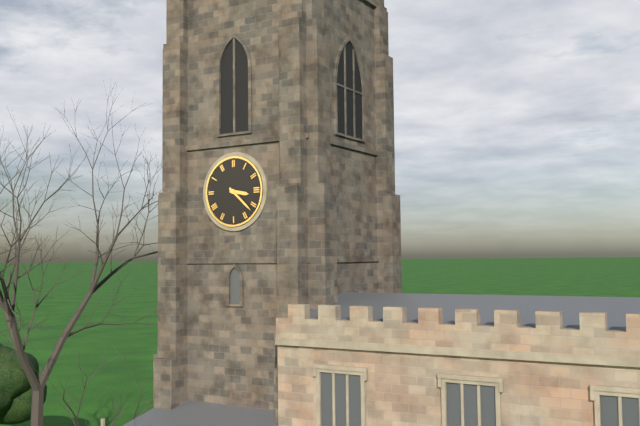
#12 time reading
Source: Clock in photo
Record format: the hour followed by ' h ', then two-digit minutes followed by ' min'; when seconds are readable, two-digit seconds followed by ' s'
3 h 22 min
